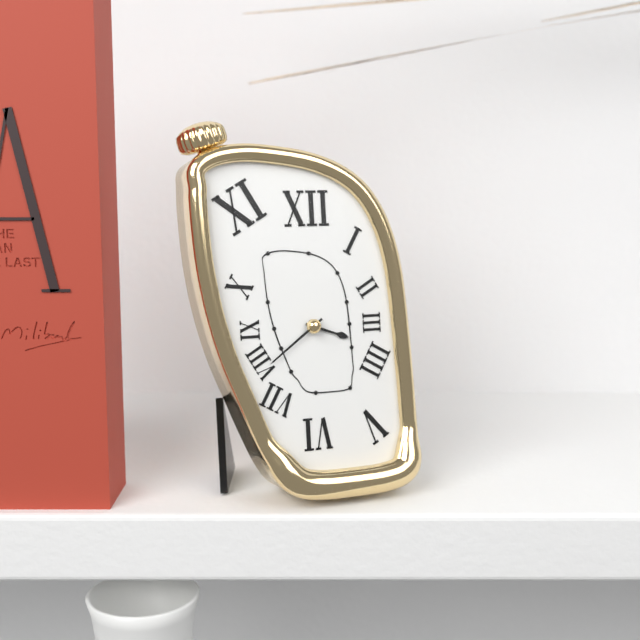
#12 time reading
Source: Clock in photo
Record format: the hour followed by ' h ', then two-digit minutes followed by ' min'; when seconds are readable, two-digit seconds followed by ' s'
3 h 39 min
